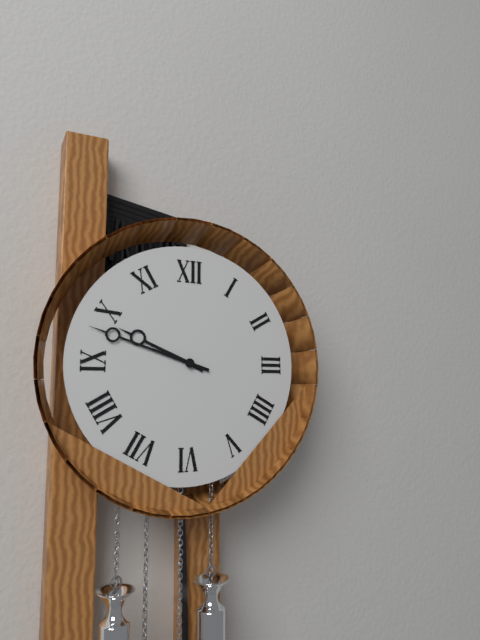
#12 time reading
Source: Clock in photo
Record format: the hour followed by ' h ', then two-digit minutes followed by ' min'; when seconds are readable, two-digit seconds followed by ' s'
9 h 48 min
